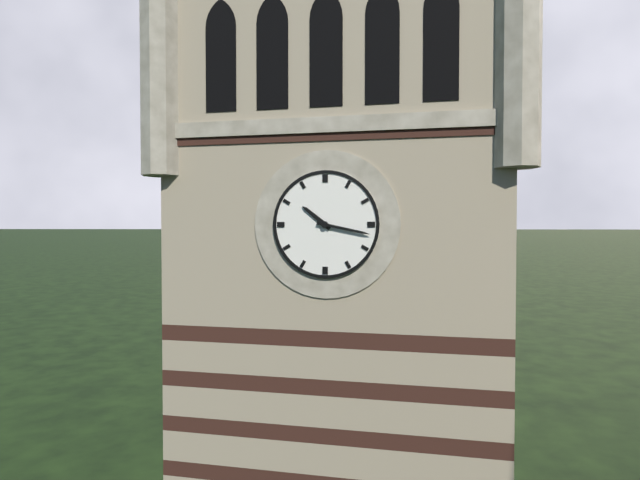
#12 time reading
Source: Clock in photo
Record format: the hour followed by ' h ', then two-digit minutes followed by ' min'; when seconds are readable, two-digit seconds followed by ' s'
10 h 17 min
